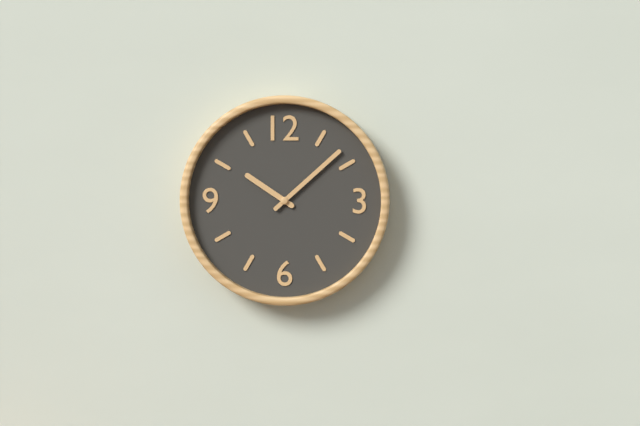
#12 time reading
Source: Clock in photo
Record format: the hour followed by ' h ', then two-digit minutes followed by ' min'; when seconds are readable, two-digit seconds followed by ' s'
10 h 08 min
